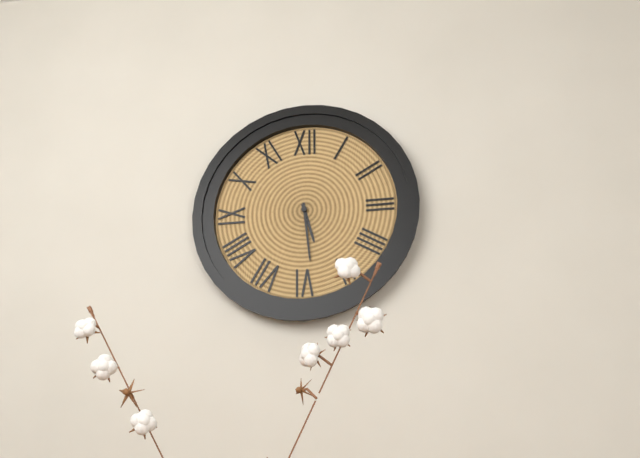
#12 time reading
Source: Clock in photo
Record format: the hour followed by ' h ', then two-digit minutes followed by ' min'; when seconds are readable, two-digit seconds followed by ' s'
5 h 29 min
